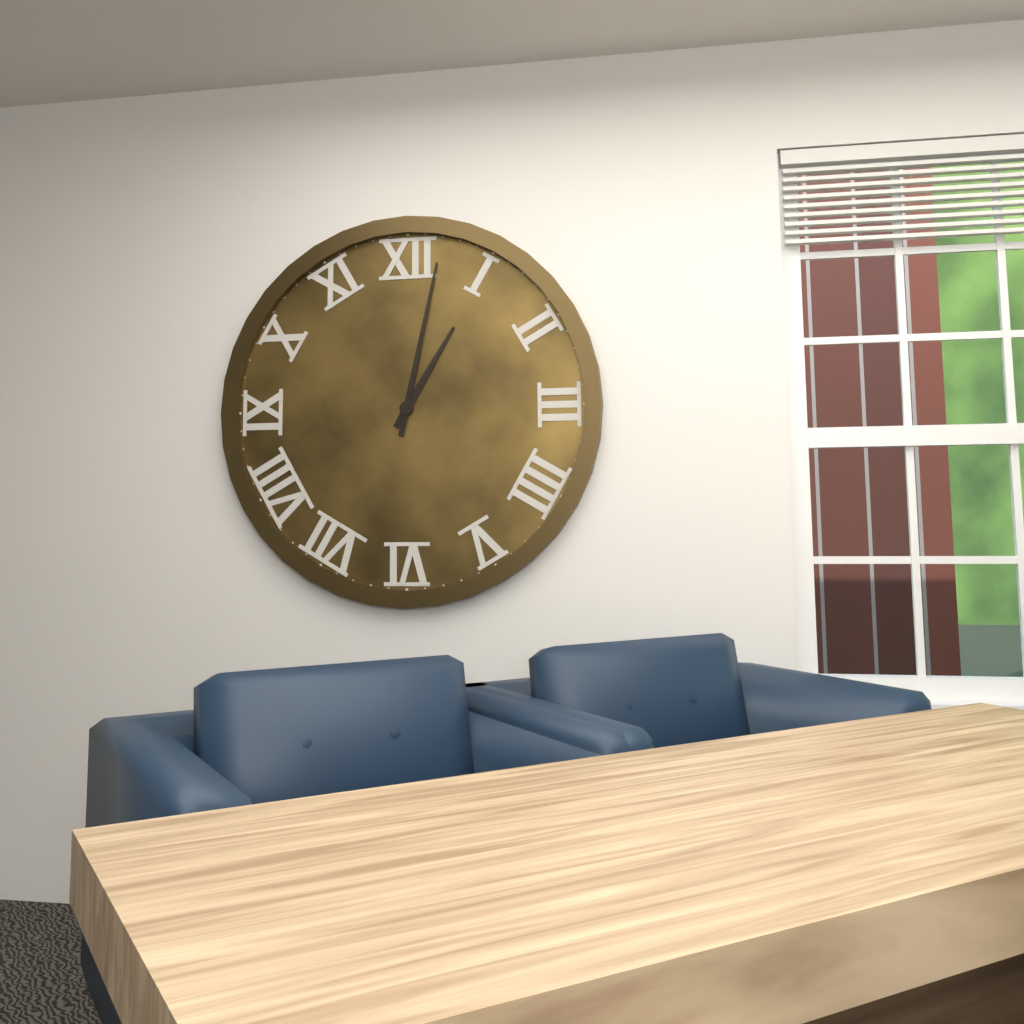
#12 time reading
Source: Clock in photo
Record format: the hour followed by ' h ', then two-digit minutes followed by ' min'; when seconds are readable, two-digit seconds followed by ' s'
1 h 02 min
